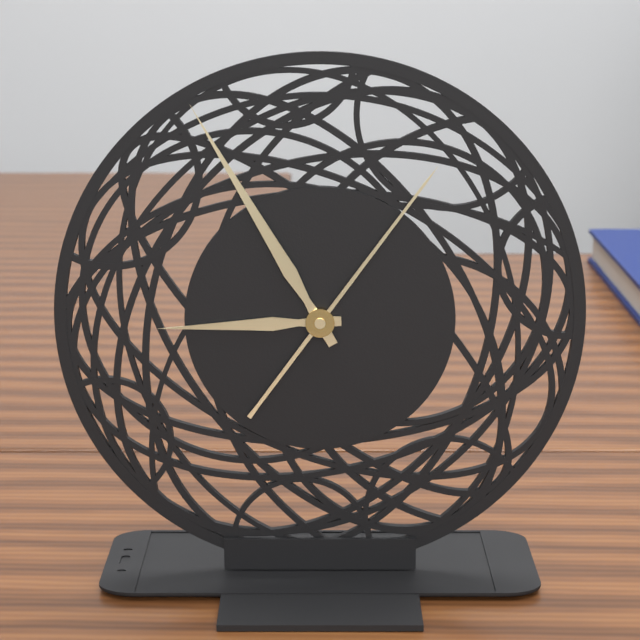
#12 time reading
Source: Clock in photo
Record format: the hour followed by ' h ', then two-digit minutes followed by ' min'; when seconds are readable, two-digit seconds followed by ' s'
8 h 55 min 06 s
